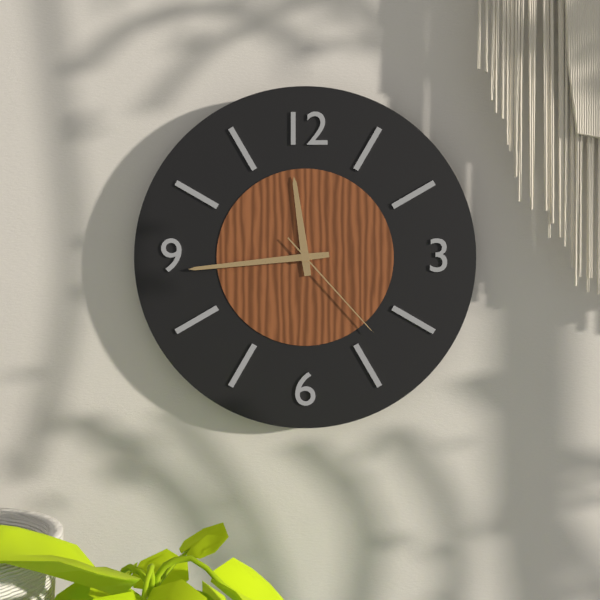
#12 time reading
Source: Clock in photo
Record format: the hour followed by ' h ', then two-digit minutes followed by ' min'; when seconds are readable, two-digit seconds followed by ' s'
11 h 44 min 23 s
